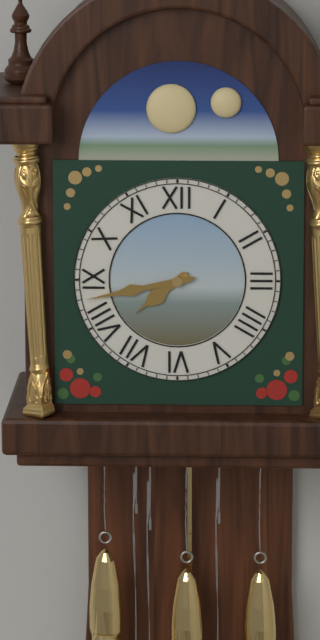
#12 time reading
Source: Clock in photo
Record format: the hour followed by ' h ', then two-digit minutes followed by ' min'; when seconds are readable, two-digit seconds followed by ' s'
7 h 43 min
